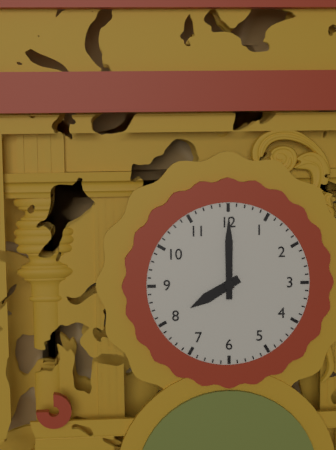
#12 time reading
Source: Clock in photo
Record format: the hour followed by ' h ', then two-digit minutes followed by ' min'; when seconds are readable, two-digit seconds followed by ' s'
8 h 00 min
